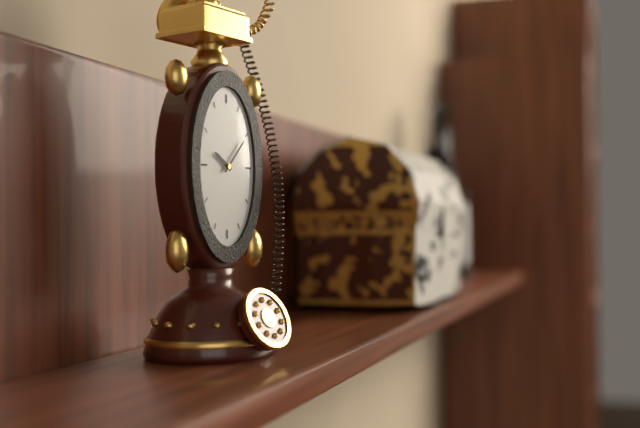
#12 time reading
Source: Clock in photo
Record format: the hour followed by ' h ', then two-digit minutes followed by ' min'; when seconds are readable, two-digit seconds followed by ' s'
10 h 07 min
